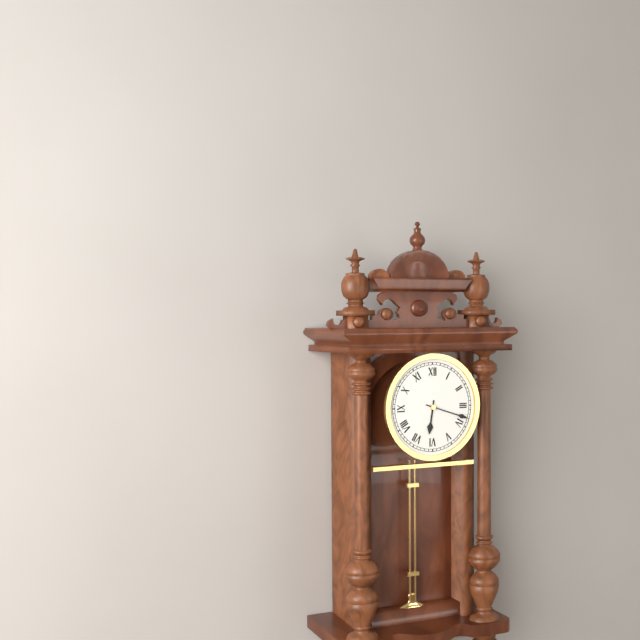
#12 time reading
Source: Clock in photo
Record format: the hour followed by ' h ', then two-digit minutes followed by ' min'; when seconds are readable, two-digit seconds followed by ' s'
6 h 18 min
